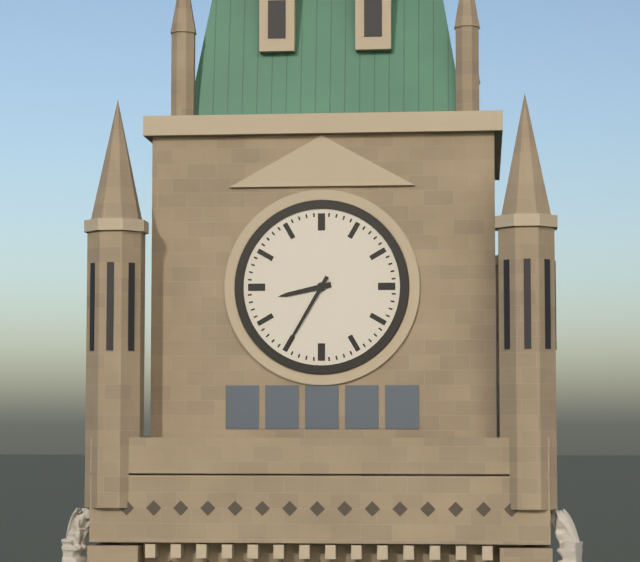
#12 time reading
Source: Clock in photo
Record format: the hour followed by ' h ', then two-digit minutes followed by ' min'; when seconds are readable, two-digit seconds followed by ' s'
8 h 35 min
